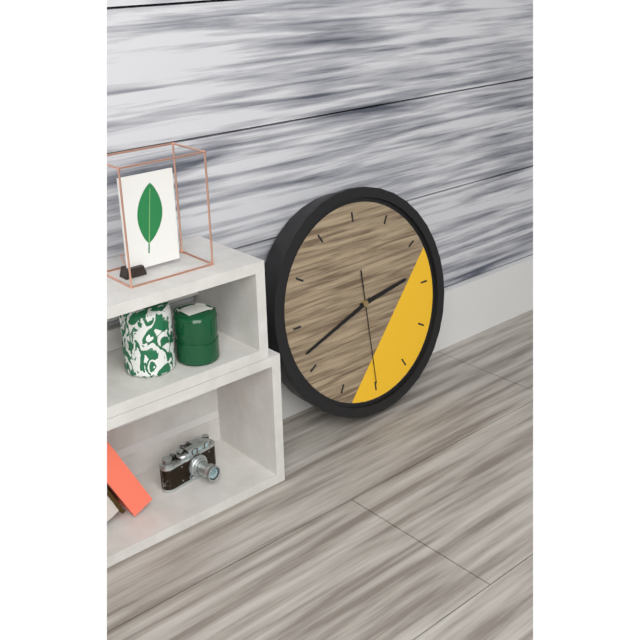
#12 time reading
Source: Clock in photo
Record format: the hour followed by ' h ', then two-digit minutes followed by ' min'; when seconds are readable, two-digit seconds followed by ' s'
2 h 42 min 30 s
